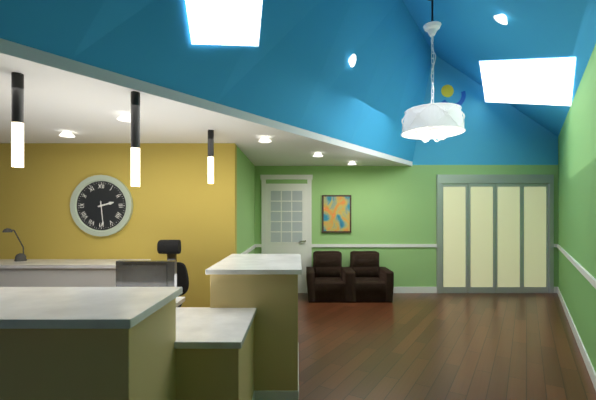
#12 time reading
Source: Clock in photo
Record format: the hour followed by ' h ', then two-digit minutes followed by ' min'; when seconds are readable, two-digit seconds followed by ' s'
2 h 29 min
